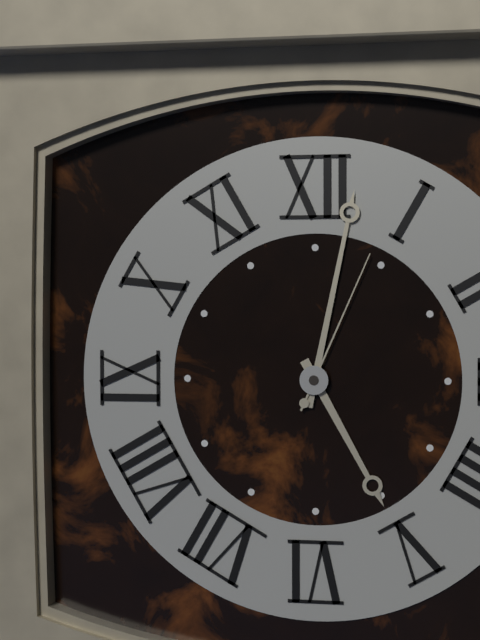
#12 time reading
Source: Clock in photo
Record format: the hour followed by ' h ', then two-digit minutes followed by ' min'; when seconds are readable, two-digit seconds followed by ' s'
5 h 02 min 04 s
